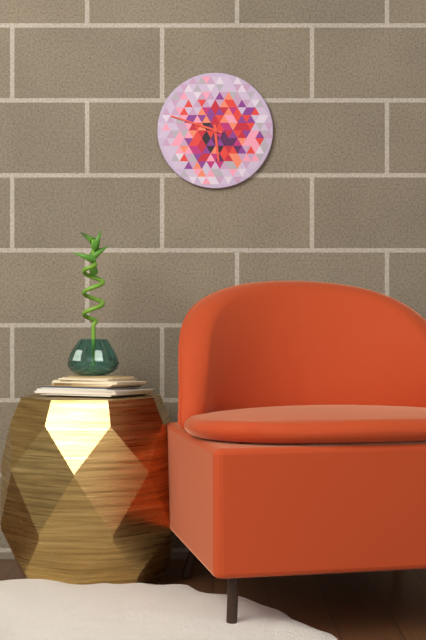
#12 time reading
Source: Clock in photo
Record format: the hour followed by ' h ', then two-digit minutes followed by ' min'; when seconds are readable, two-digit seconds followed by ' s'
5 h 48 min
